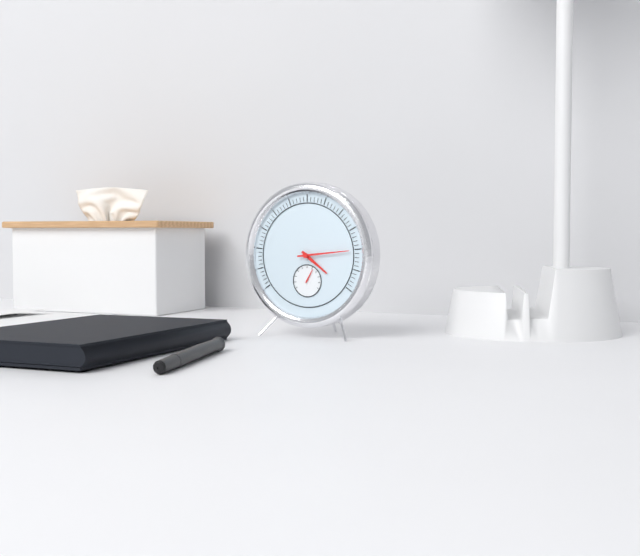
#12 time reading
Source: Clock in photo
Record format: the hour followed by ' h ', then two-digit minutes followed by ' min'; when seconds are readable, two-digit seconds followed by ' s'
4 h 14 min
